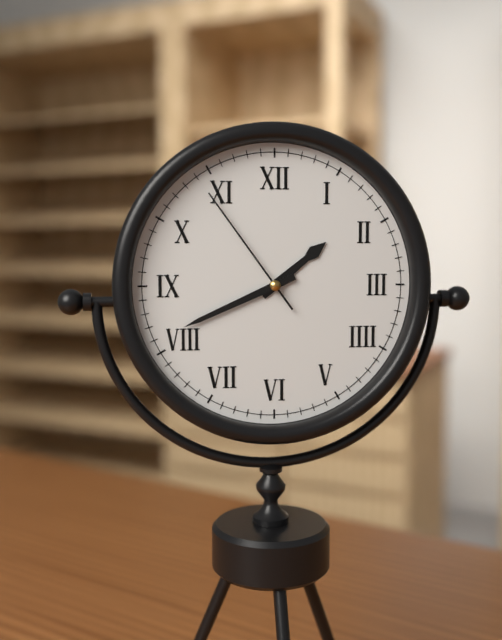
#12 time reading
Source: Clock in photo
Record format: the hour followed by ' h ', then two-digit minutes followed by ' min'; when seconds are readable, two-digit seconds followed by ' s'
1 h 41 min 54 s
